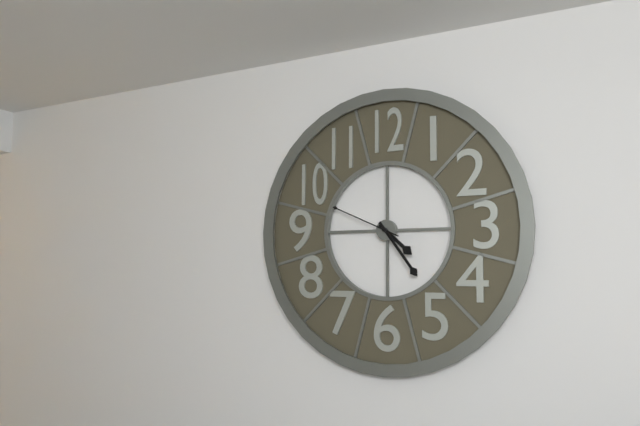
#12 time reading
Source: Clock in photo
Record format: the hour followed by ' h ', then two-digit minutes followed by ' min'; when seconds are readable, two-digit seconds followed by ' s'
4 h 24 min 49 s
